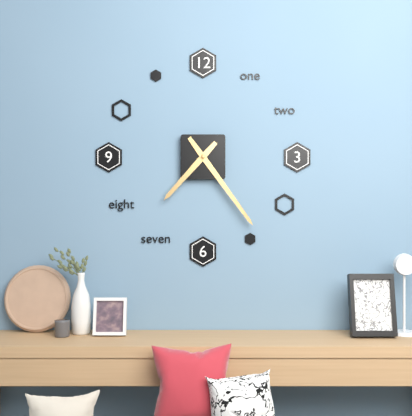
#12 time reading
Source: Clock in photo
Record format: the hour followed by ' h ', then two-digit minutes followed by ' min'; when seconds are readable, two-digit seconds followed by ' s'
7 h 24 min
